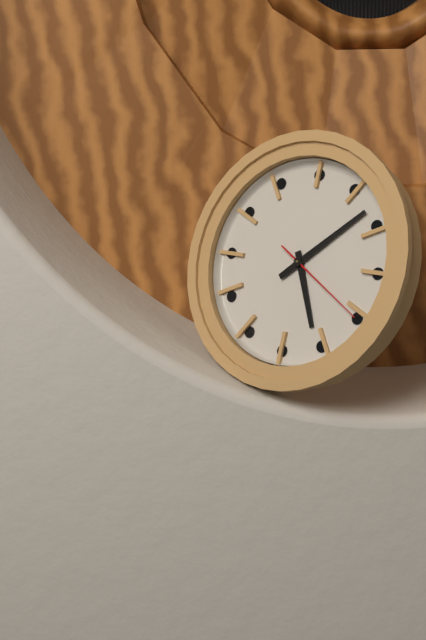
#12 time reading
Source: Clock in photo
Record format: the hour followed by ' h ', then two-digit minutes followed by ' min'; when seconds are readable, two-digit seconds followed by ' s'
5 h 08 min 20 s
